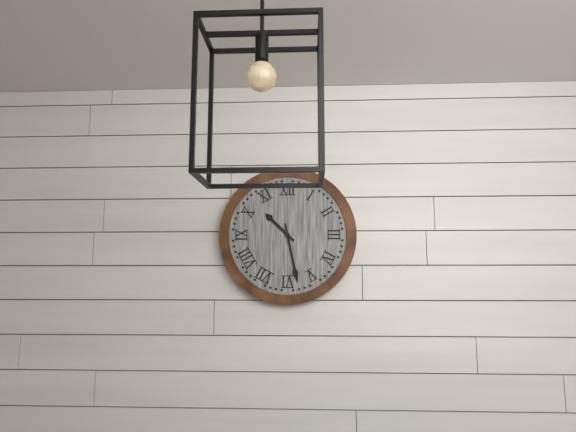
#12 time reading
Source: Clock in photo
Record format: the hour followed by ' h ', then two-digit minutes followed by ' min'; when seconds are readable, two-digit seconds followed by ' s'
10 h 28 min
